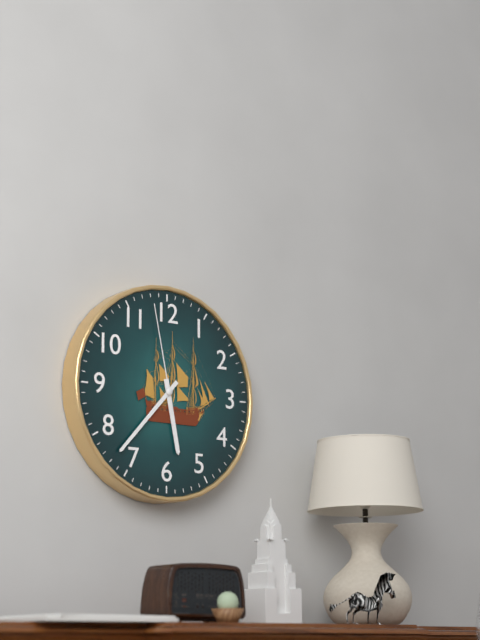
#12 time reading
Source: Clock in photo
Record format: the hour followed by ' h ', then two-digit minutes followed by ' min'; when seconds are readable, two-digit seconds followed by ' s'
5 h 37 min 58 s
